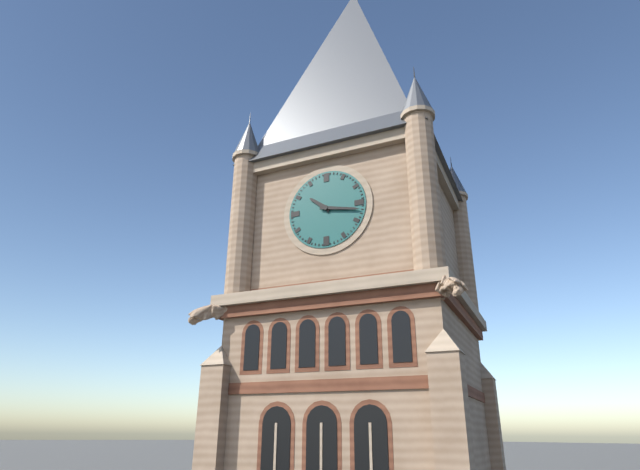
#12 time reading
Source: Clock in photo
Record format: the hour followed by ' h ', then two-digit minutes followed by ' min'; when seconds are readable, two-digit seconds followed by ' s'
10 h 17 min
